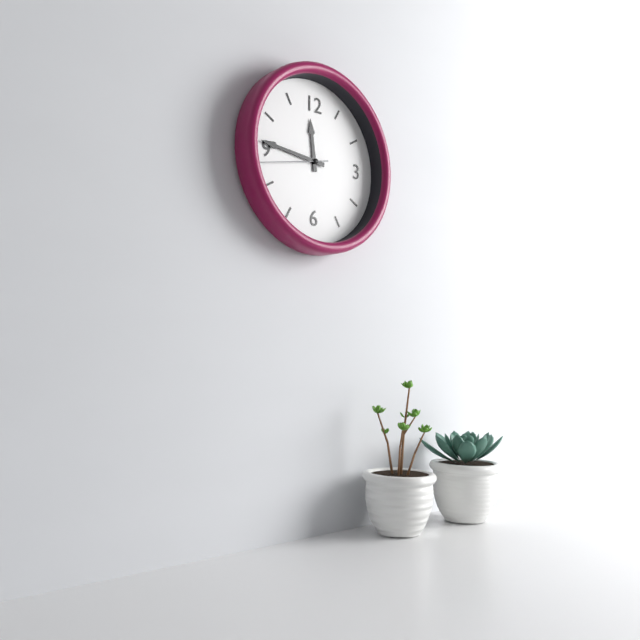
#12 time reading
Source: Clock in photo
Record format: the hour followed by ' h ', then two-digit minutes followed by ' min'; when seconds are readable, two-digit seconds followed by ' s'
11 h 46 min 43 s
